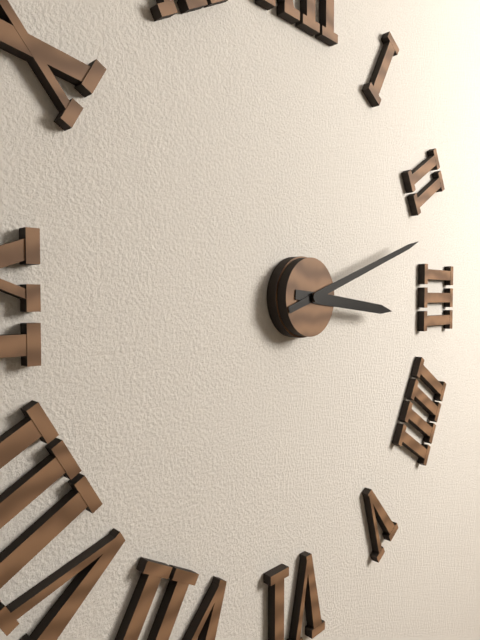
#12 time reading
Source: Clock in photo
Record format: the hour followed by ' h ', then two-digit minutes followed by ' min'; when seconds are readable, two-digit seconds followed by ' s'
3 h 12 min
